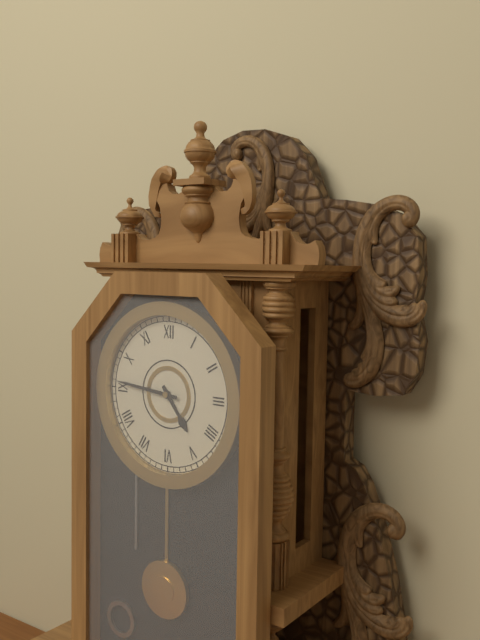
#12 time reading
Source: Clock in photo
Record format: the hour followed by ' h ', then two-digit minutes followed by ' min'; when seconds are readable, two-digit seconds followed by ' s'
4 h 46 min
